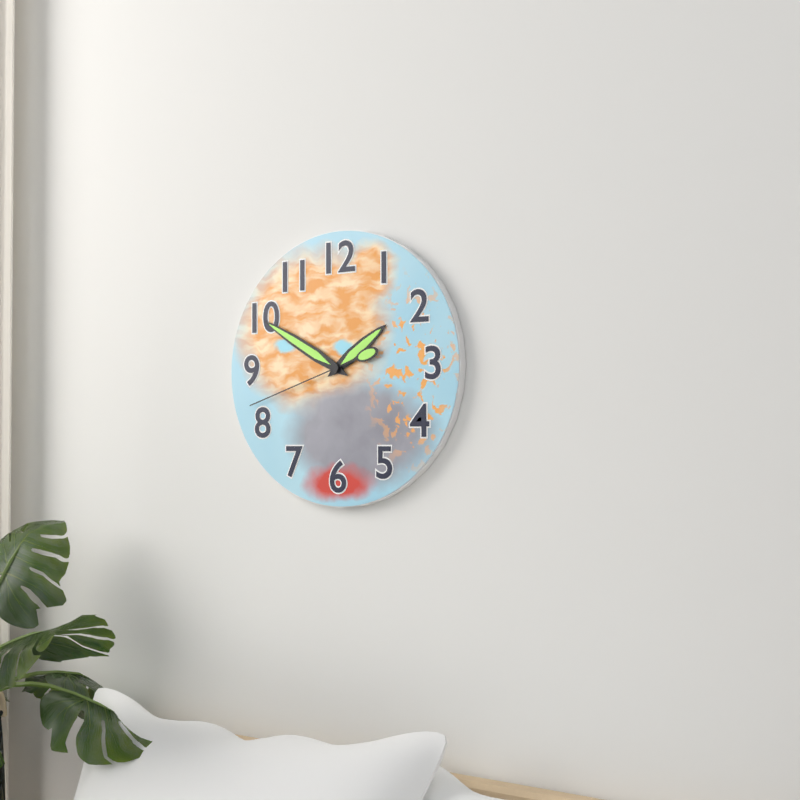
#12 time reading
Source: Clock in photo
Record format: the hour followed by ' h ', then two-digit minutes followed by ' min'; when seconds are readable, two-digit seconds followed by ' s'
1 h 50 min 42 s
